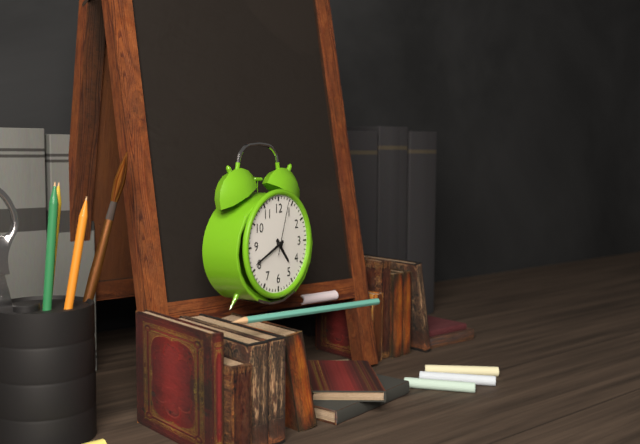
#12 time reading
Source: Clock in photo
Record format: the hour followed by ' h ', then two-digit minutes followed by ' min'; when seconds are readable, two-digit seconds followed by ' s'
4 h 41 min 03 s
